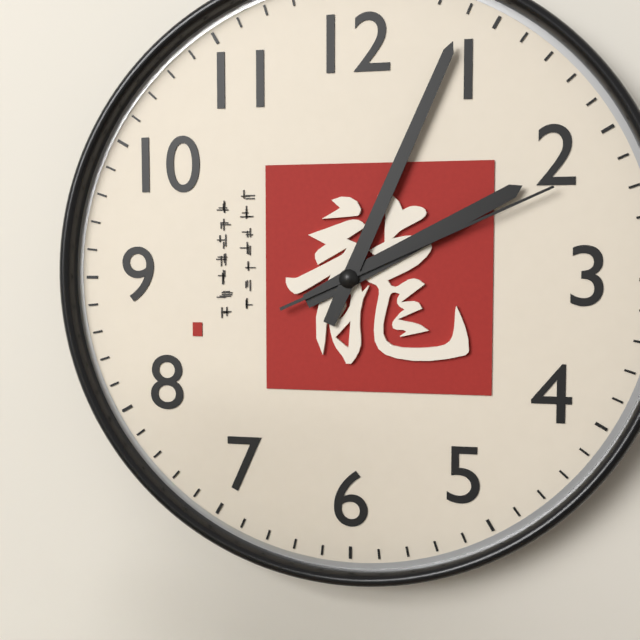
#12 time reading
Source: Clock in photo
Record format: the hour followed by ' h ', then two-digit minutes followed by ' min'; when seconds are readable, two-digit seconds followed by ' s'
2 h 04 min 11 s
